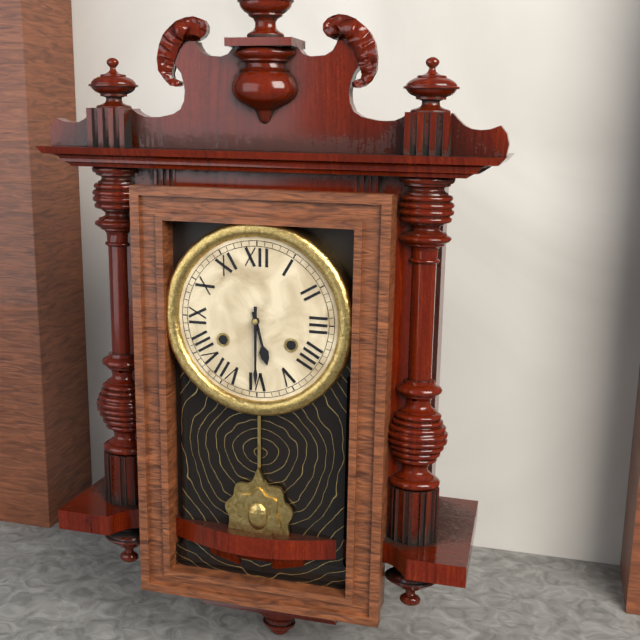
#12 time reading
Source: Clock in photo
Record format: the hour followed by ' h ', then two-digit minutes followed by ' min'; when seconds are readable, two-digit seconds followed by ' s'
5 h 30 min
